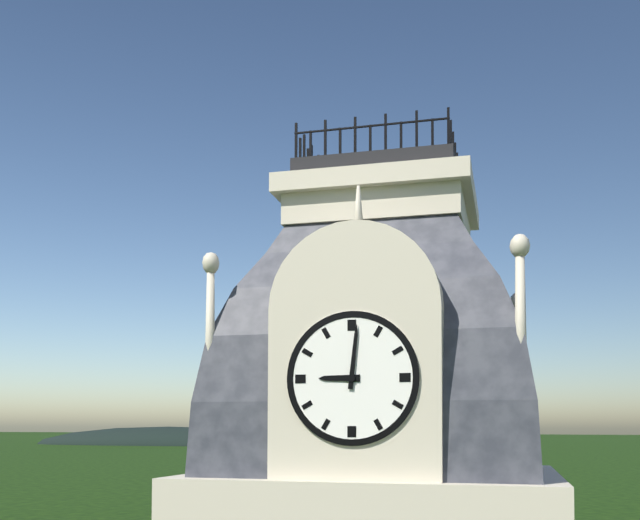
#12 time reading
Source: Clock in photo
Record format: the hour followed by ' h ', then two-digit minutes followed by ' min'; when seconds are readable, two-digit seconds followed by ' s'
9 h 01 min
